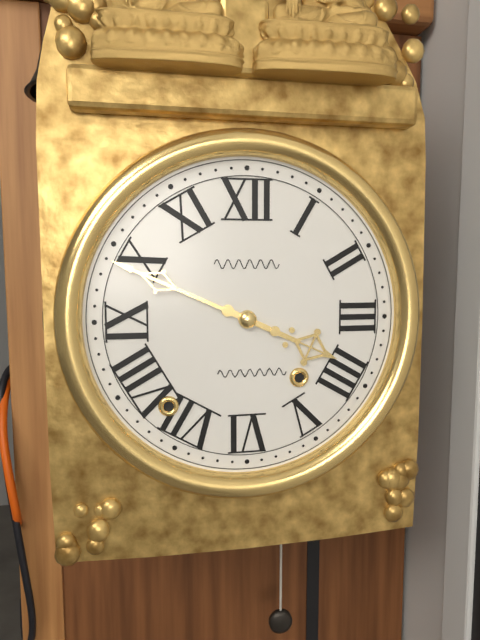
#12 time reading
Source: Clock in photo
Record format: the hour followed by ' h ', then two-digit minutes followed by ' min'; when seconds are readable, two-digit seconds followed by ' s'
3 h 49 min
